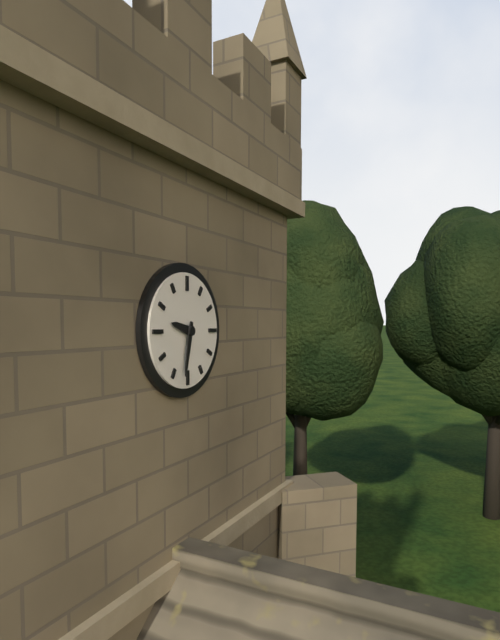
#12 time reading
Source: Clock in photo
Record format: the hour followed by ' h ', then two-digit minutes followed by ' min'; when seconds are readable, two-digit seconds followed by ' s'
9 h 32 min
